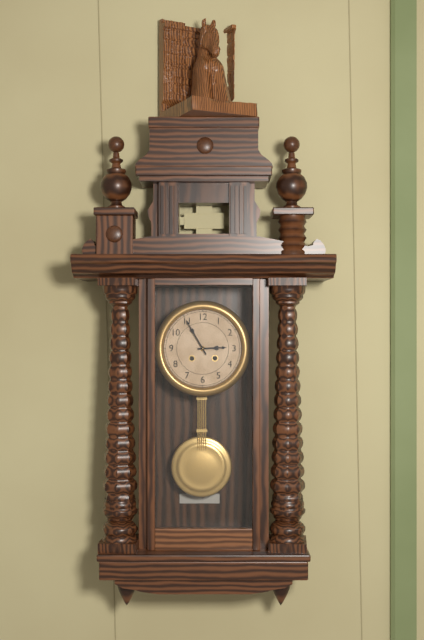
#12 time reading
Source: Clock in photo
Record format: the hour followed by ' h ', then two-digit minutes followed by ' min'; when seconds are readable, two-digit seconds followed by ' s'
2 h 55 min
